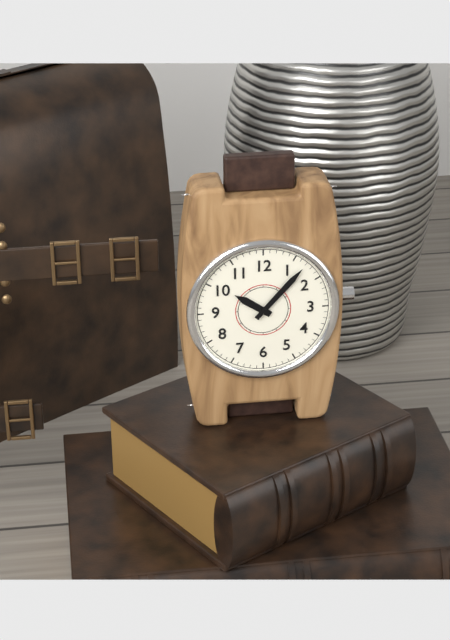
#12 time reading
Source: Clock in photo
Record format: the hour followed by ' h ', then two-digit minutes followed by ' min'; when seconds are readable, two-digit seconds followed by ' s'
10 h 07 min
